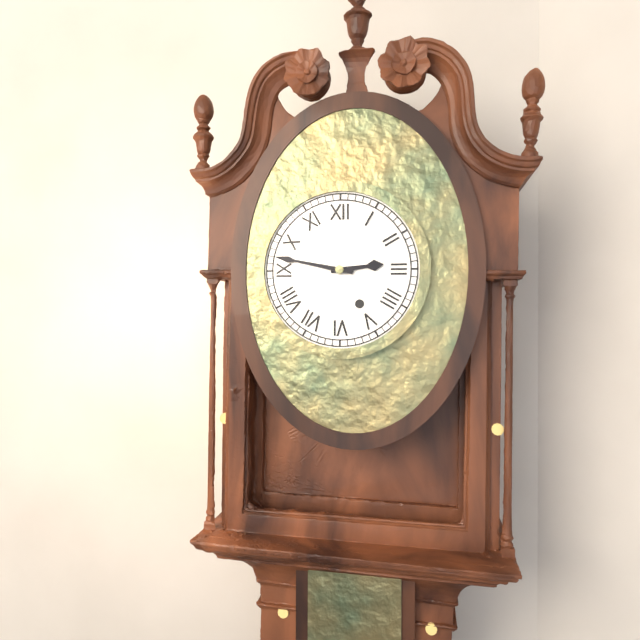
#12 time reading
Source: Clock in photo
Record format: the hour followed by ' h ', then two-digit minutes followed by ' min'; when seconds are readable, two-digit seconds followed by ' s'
2 h 47 min
